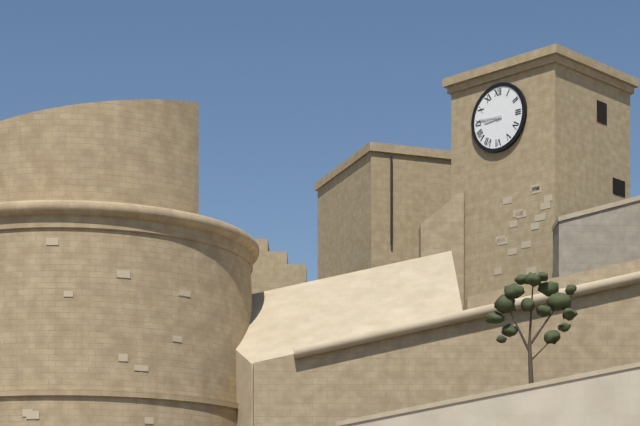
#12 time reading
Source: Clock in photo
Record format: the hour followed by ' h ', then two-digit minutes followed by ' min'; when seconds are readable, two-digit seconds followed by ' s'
8 h 46 min
